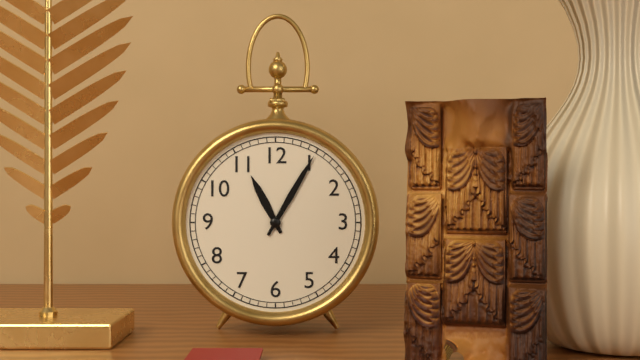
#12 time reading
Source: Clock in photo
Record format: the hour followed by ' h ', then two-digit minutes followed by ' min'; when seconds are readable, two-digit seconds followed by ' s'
11 h 05 min
